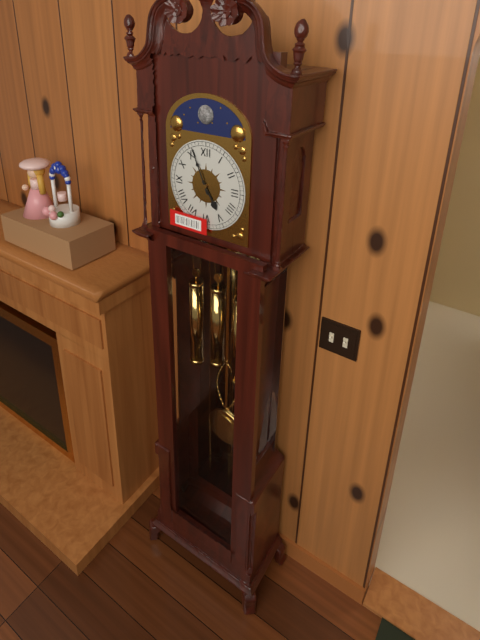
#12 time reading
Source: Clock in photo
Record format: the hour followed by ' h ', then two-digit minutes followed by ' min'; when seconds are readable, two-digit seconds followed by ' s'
4 h 56 min
